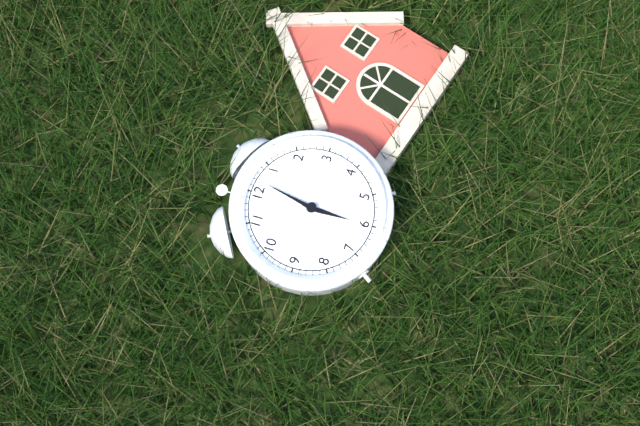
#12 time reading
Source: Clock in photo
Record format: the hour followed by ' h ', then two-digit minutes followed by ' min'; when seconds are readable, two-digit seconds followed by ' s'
6 h 02 min
